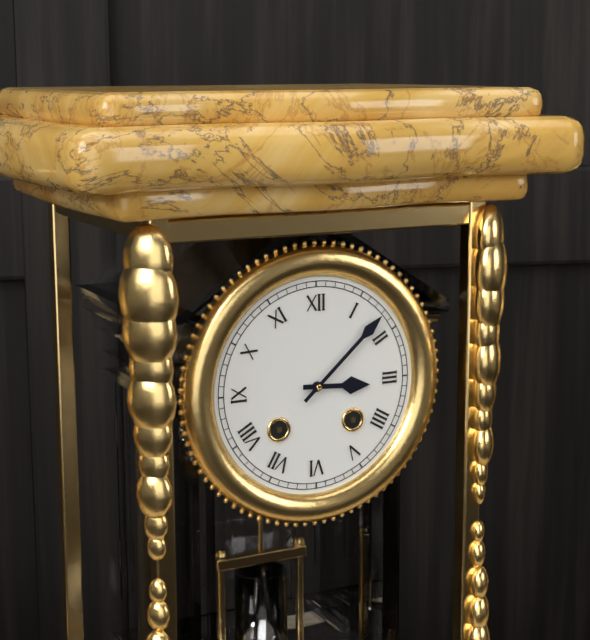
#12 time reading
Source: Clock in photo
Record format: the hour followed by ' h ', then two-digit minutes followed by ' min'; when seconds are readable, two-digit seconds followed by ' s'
3 h 08 min
